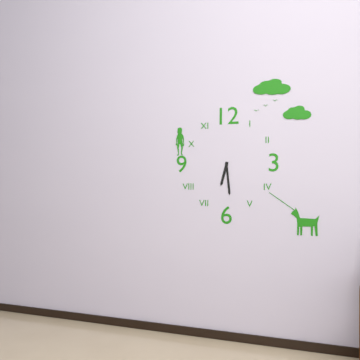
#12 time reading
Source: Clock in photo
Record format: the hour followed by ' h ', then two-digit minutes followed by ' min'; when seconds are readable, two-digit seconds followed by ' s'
6 h 29 min
